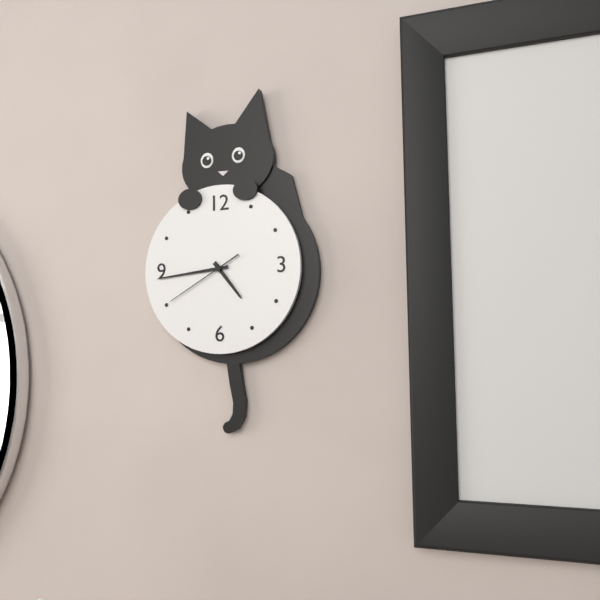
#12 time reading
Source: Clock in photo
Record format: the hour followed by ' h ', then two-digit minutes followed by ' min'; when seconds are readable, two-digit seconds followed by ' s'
4 h 44 min 40 s
